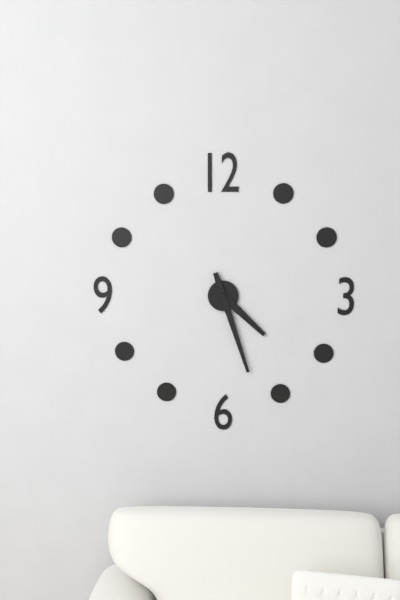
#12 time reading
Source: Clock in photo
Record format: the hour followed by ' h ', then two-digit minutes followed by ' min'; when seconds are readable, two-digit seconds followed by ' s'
4 h 27 min
